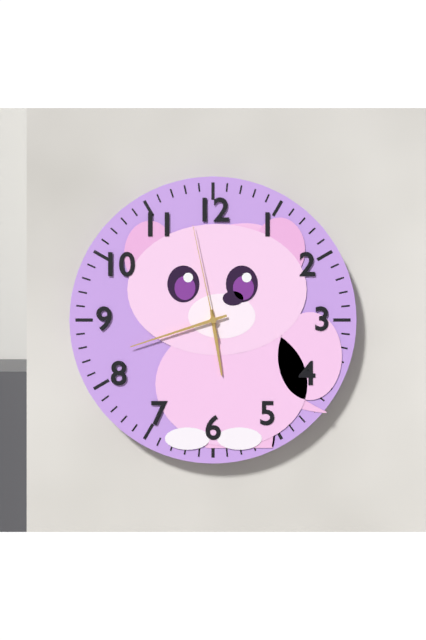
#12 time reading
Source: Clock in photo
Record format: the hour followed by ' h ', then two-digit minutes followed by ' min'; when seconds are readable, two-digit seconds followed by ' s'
5 h 42 min 58 s
